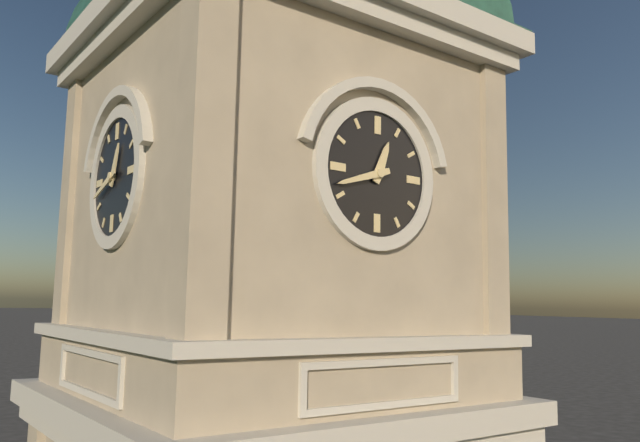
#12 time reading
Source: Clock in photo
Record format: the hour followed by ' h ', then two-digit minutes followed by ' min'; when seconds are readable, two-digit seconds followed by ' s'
12 h 42 min
